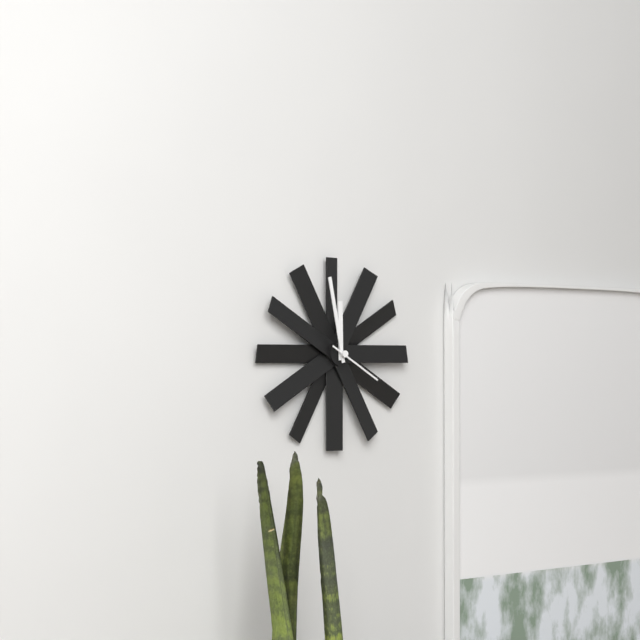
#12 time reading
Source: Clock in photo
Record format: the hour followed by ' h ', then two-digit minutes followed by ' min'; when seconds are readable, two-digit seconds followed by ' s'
11 h 58 min 20 s
